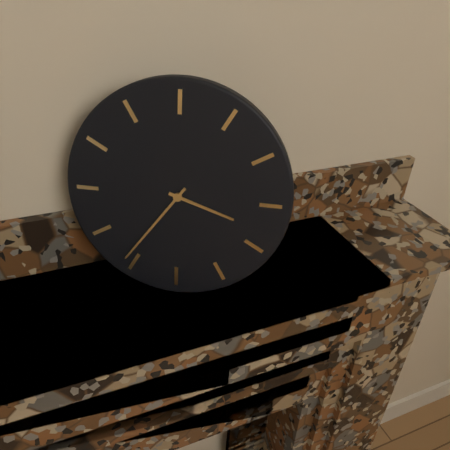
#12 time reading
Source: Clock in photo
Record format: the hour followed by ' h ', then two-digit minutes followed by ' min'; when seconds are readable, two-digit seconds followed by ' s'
3 h 36 min
